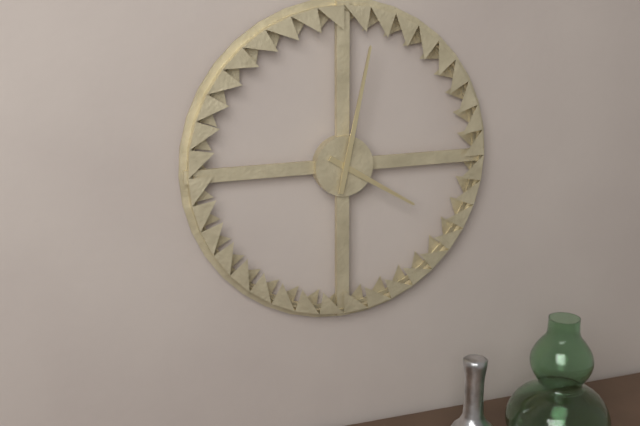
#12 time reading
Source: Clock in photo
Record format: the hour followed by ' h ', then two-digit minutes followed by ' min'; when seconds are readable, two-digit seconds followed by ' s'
4 h 02 min
